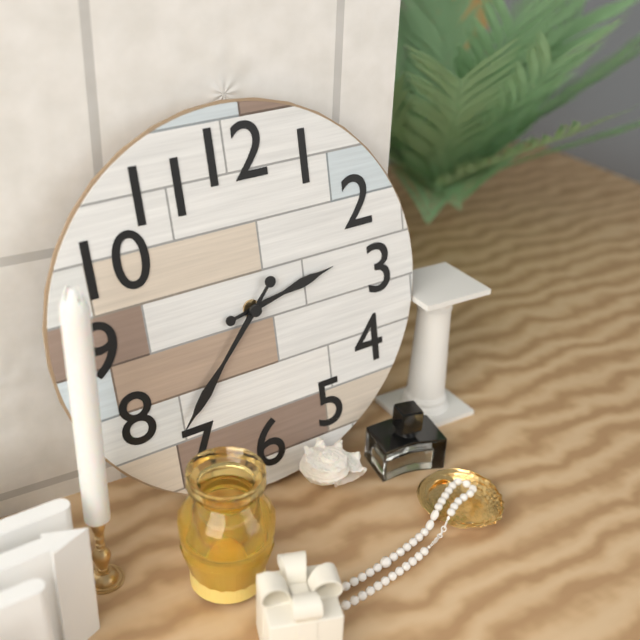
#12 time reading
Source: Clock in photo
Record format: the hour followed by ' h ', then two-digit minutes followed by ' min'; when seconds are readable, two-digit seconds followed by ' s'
2 h 37 min
